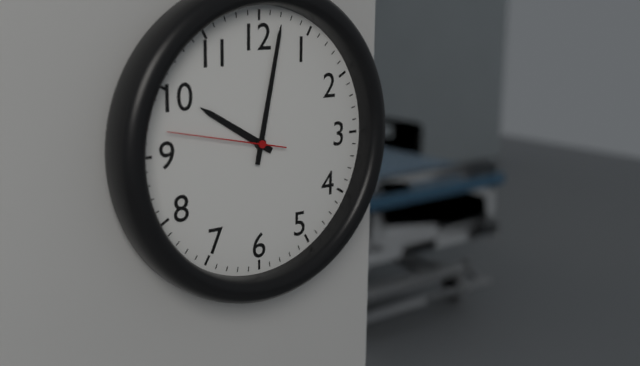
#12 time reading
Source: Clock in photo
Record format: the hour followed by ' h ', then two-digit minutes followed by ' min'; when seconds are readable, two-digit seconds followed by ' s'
10 h 02 min 47 s
